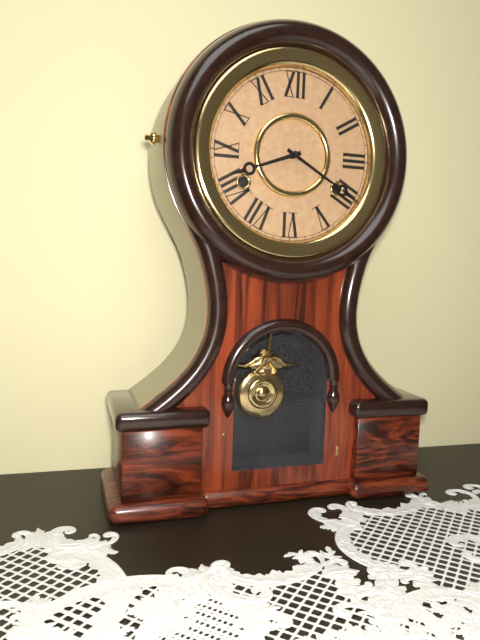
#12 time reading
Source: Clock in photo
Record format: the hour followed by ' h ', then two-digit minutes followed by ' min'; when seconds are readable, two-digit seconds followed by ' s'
8 h 20 min
